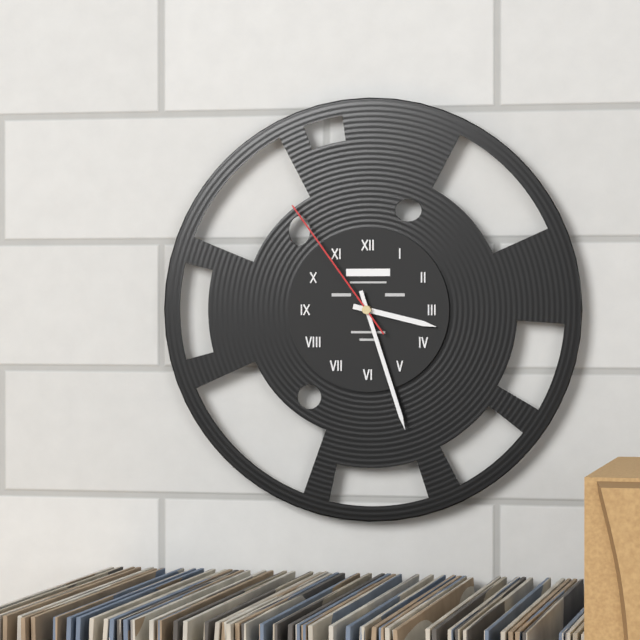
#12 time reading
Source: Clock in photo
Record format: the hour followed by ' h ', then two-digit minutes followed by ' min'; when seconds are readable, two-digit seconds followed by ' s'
3 h 27 min 54 s
